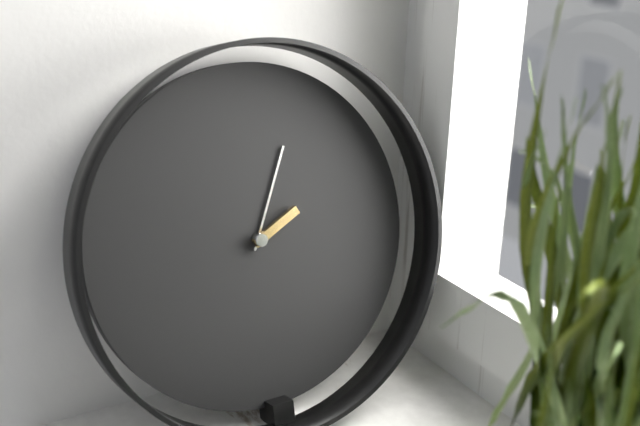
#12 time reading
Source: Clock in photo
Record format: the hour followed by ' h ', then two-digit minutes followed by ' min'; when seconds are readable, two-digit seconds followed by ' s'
2 h 04 min
